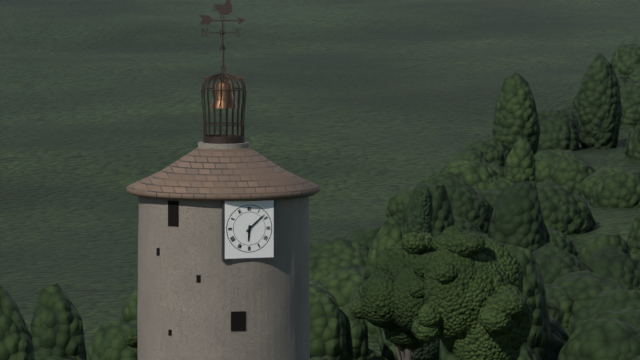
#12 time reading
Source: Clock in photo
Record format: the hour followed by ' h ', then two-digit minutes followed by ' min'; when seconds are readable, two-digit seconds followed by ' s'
6 h 08 min
